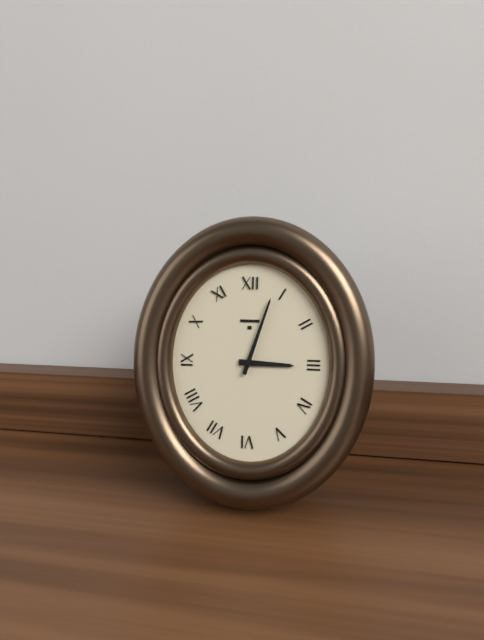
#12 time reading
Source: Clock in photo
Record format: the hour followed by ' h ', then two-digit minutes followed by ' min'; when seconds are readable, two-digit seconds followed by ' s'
3 h 03 min
